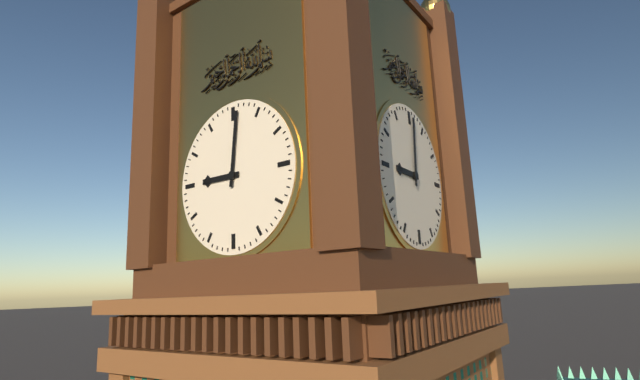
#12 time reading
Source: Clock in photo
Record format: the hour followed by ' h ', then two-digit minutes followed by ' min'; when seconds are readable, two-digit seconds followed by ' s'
9 h 01 min
